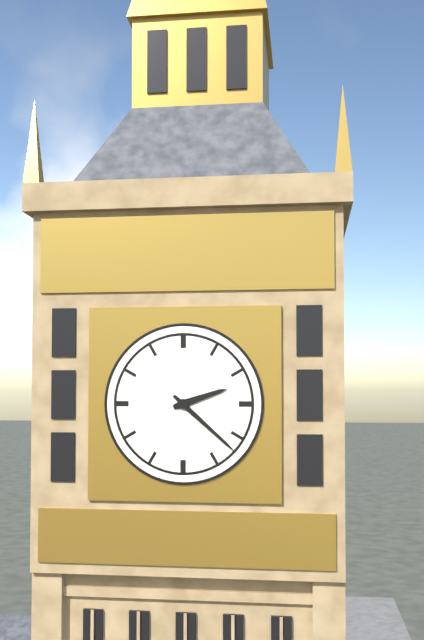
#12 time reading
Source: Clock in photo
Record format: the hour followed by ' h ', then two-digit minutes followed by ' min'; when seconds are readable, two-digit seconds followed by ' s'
2 h 22 min
